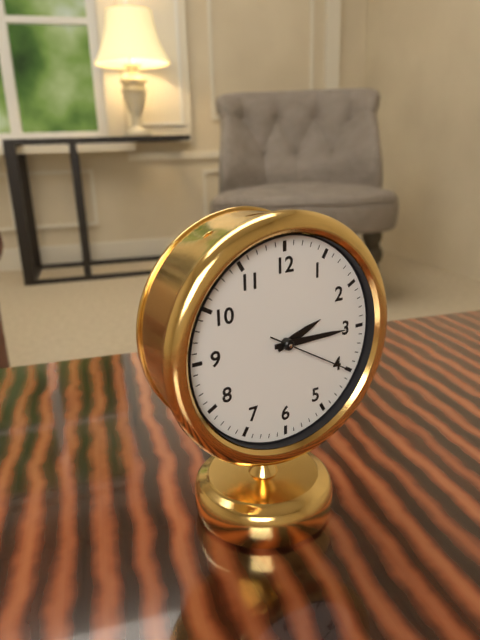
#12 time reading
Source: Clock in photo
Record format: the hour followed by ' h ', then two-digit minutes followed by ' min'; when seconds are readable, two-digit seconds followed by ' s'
2 h 15 min 20 s
